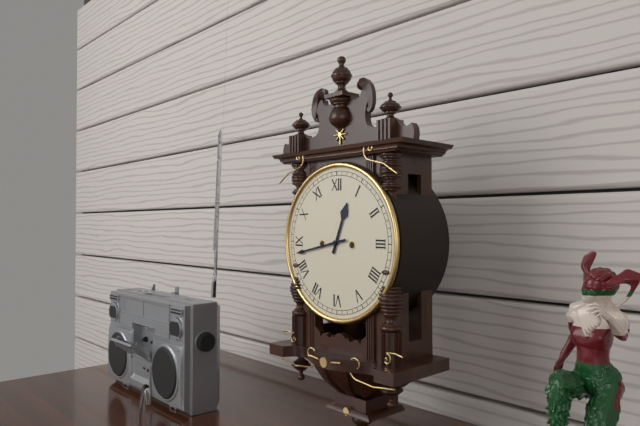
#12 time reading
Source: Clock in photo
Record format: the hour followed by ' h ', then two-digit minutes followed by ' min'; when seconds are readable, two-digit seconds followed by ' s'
12 h 43 min
